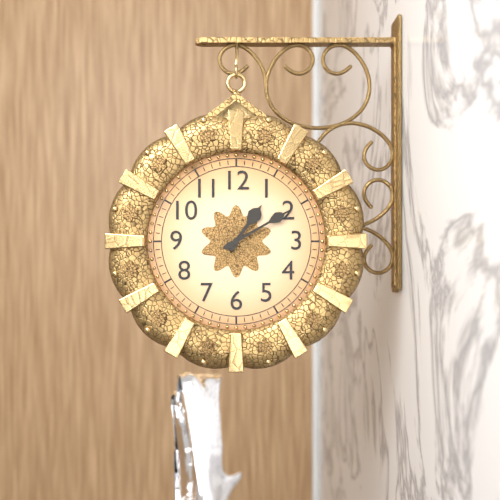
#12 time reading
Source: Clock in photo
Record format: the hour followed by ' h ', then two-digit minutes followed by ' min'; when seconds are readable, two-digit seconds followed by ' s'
1 h 10 min
